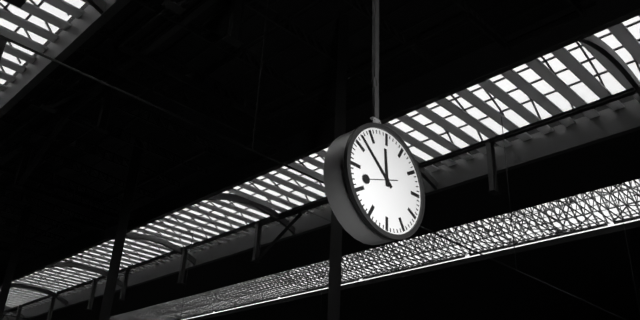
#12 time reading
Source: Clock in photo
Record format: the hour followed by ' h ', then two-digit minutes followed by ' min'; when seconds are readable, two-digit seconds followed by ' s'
11 h 52 min
